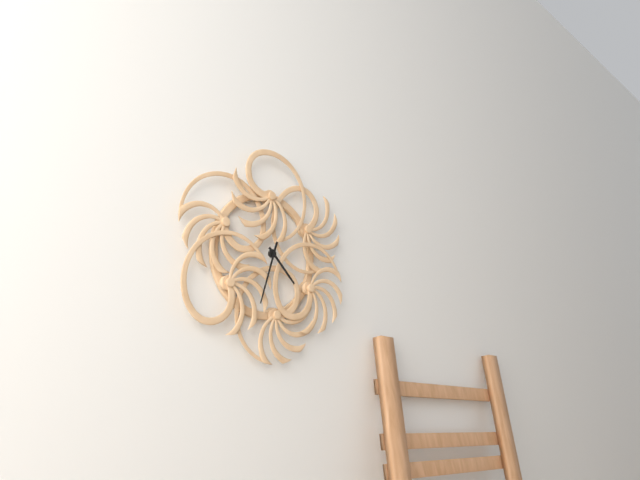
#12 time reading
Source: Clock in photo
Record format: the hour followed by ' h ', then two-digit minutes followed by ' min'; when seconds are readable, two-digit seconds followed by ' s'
4 h 33 min
